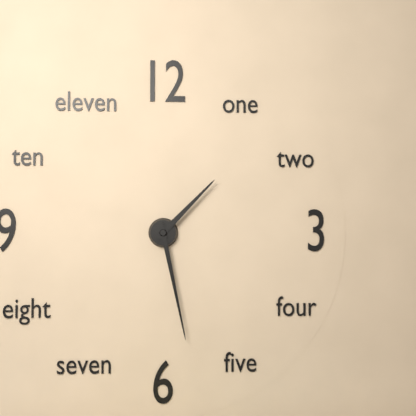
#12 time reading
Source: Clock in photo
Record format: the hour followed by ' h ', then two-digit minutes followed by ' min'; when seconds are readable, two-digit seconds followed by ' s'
1 h 28 min
